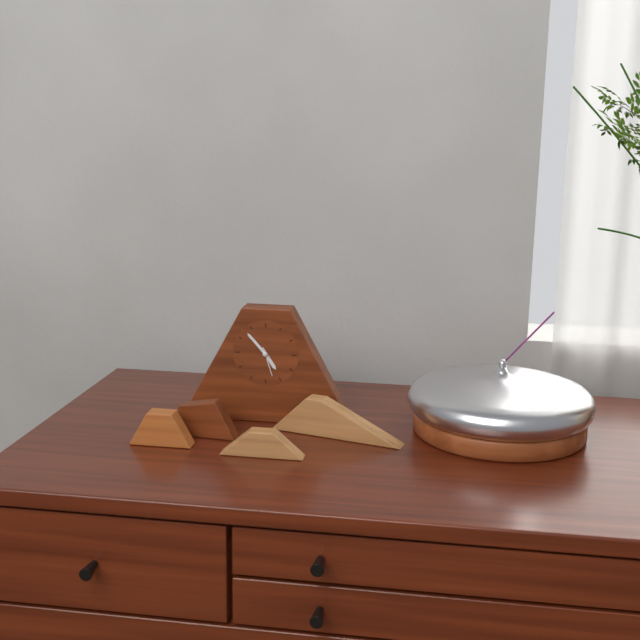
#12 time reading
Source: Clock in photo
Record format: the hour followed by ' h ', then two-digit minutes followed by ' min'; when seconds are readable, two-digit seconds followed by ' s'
4 h 53 min
